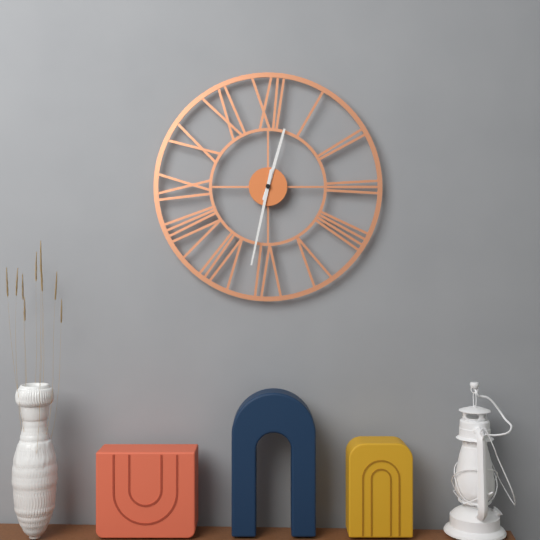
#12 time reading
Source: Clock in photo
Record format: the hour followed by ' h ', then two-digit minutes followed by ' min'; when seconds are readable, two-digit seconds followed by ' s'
12 h 32 min
